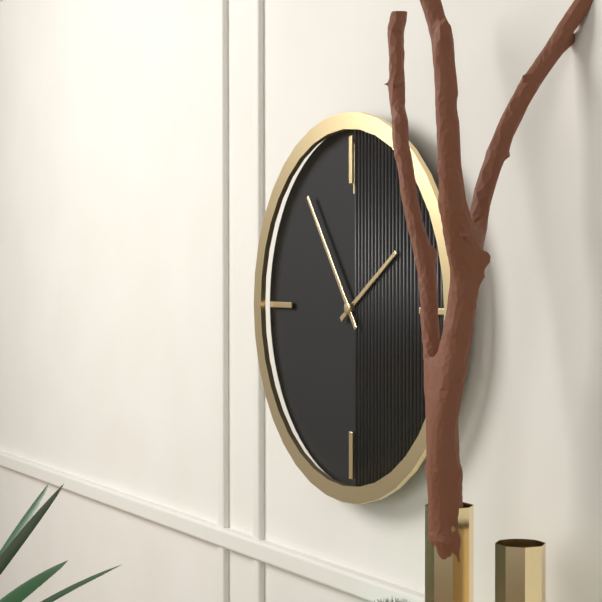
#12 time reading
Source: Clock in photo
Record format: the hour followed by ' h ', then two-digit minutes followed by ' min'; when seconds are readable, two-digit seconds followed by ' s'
1 h 54 min
